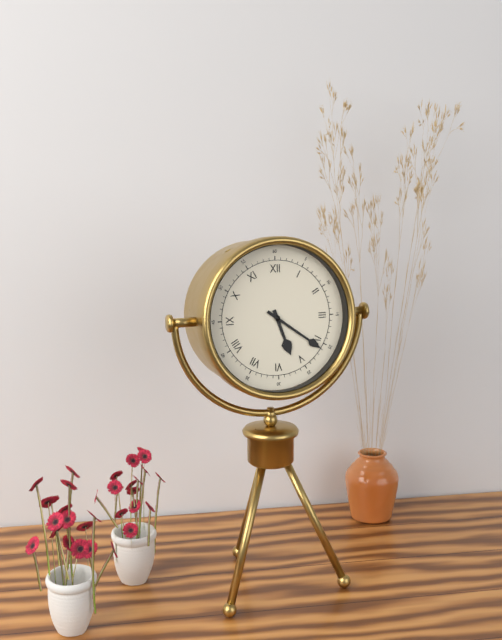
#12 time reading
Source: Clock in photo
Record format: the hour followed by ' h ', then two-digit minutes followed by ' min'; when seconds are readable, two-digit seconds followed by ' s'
5 h 21 min
